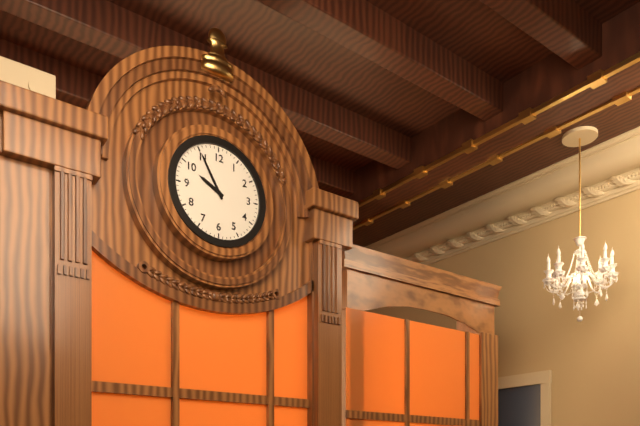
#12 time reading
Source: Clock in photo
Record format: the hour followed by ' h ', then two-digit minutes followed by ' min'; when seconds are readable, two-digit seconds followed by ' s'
9 h 55 min
